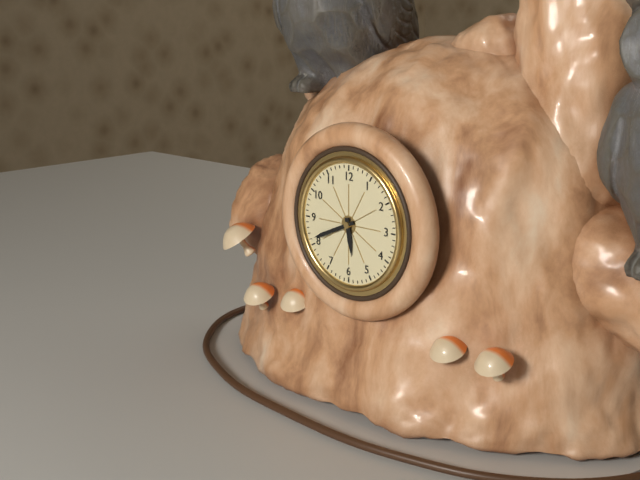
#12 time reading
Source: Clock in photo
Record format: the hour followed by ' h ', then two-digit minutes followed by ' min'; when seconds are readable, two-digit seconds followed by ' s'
5 h 41 min
